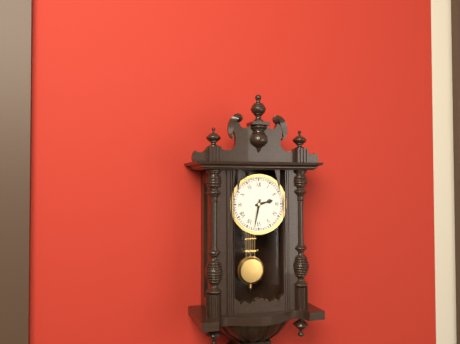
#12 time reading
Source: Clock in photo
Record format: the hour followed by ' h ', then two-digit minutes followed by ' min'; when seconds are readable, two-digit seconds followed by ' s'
2 h 32 min
